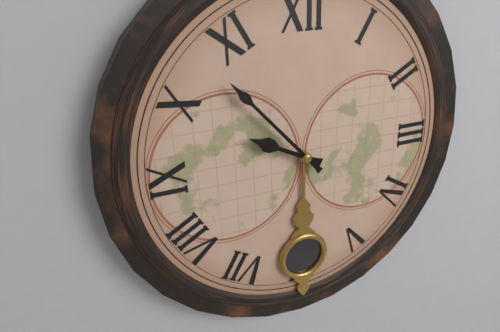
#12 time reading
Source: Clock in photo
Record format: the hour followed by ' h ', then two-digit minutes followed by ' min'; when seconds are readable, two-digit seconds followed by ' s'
9 h 53 min
